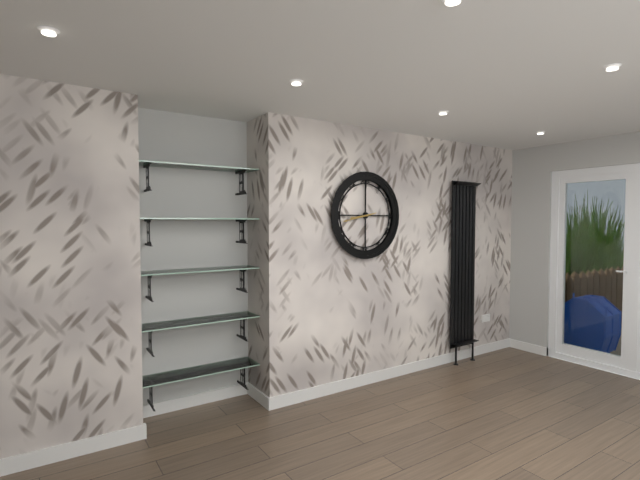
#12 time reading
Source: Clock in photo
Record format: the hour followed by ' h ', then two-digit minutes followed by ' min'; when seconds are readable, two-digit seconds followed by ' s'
8 h 43 min
